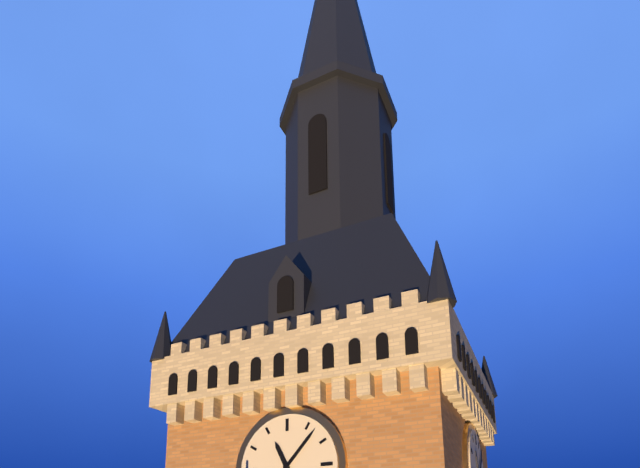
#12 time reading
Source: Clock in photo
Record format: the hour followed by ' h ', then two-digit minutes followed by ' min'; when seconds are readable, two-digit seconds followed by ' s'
11 h 07 min
